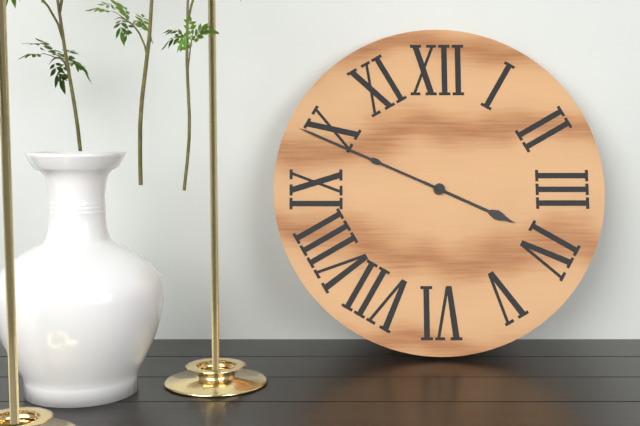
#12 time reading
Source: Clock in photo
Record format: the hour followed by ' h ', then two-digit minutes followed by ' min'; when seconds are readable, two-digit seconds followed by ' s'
3 h 49 min
